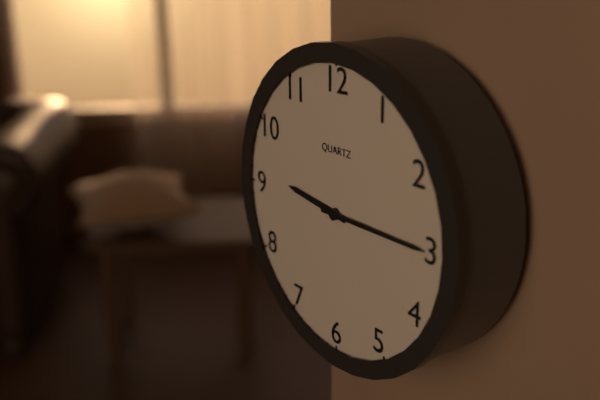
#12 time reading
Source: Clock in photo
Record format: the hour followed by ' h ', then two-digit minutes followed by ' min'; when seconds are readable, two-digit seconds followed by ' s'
9 h 15 min
